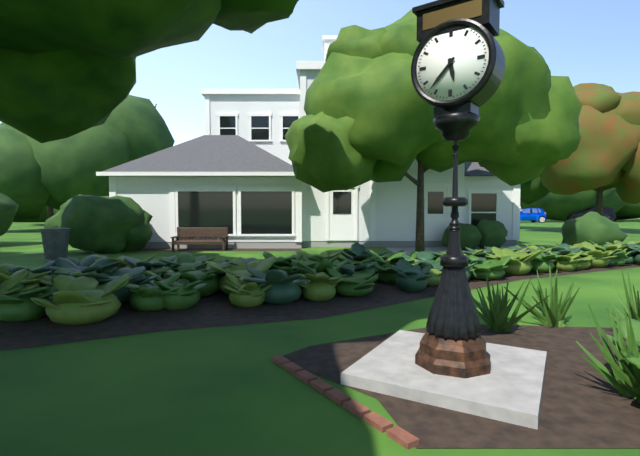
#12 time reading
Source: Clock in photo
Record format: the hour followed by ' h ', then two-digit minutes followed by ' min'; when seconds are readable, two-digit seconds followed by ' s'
5 h 37 min
